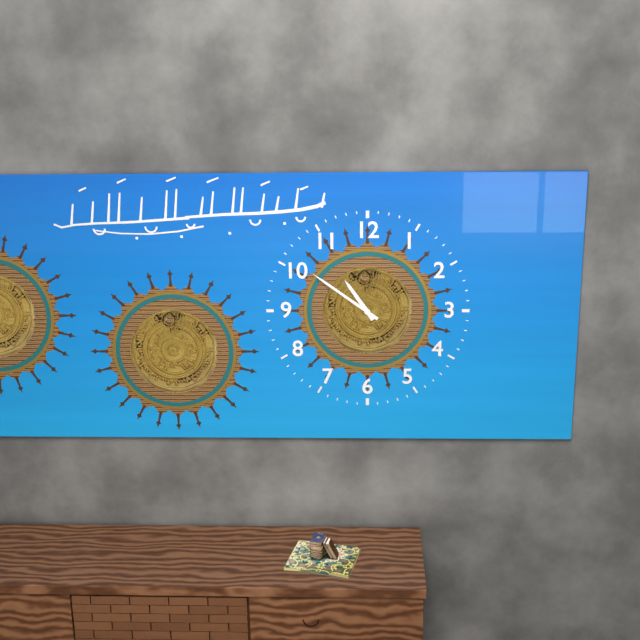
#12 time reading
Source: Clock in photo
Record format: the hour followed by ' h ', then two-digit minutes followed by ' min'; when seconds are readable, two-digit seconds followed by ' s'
10 h 51 min
